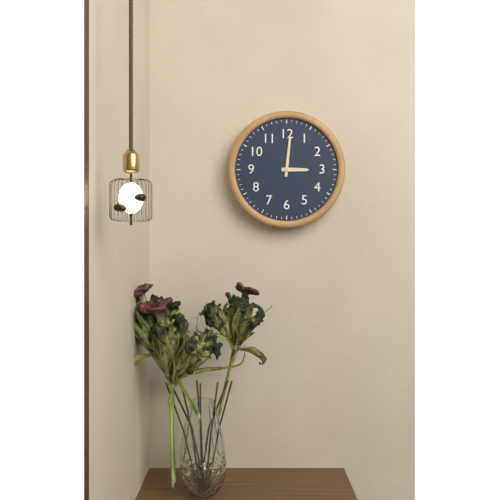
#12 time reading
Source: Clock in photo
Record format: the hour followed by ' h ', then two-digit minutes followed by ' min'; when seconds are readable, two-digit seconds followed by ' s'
3 h 01 min
